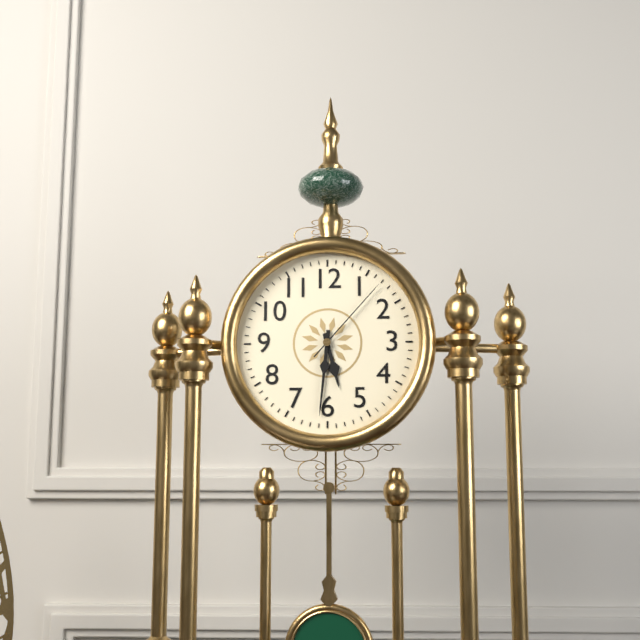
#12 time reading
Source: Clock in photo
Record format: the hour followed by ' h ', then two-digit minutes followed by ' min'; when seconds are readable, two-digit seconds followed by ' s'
5 h 31 min 07 s
